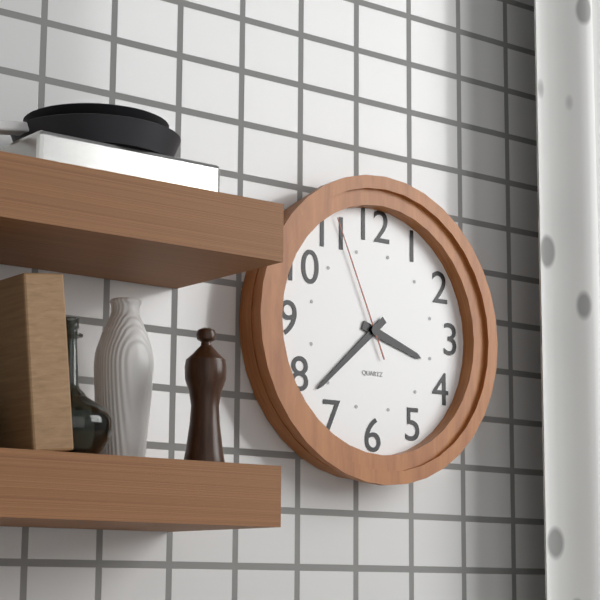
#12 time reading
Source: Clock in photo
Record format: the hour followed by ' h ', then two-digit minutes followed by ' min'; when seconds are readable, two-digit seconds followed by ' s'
3 h 38 min 56 s
